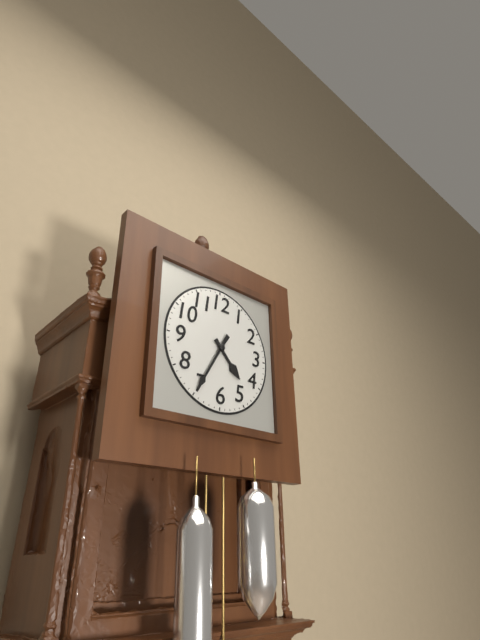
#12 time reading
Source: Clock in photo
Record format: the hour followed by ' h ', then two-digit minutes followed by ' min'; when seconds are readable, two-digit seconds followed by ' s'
4 h 35 min
